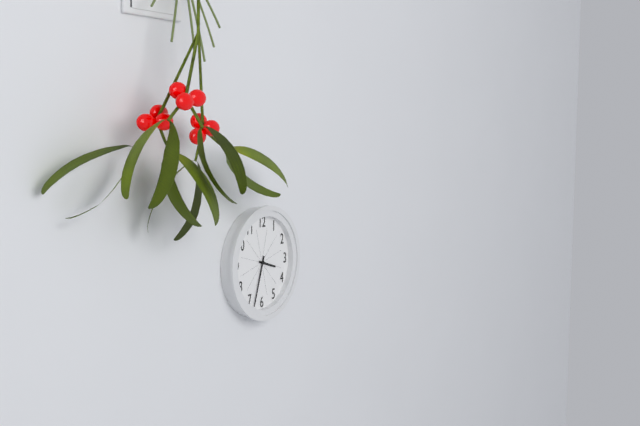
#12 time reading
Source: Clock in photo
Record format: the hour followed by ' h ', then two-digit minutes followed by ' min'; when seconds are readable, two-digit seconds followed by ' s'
3 h 33 min
